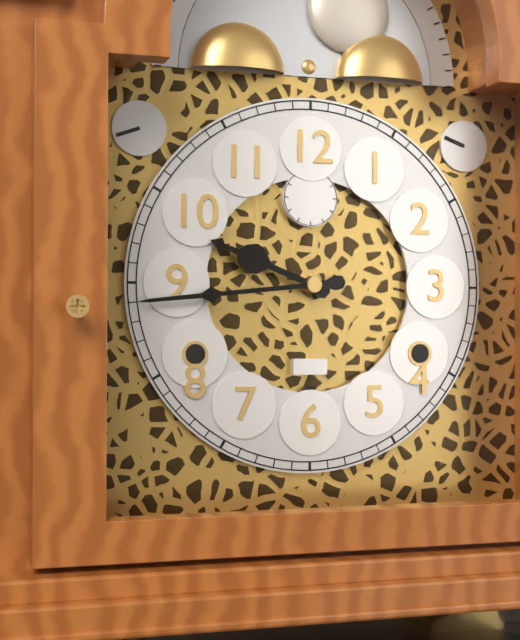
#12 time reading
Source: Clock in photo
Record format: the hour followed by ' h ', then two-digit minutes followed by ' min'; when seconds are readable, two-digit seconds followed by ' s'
9 h 44 min
